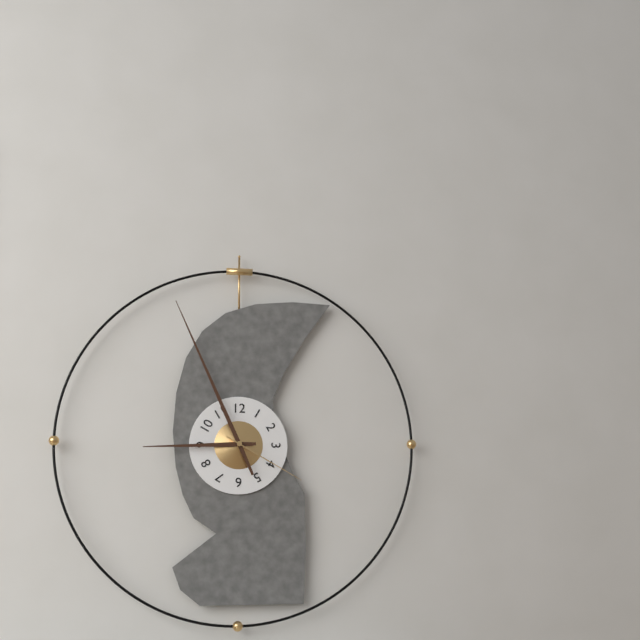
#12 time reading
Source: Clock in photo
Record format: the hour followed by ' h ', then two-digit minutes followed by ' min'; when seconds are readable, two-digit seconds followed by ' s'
8 h 56 min 20 s
